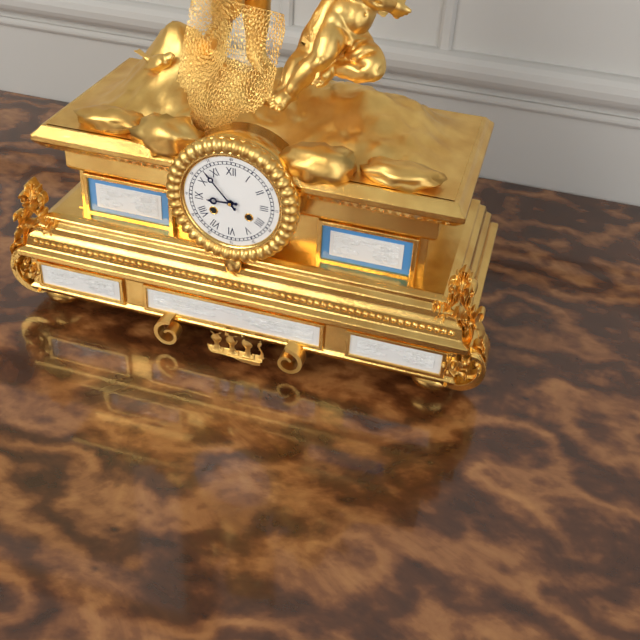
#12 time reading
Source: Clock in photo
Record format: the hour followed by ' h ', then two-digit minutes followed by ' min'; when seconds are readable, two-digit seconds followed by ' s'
8 h 53 min
